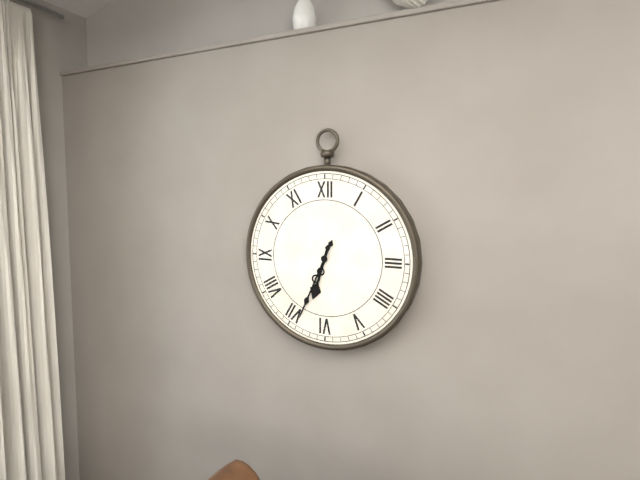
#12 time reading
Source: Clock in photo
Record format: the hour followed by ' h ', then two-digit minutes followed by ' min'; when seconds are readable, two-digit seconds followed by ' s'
6 h 34 min
